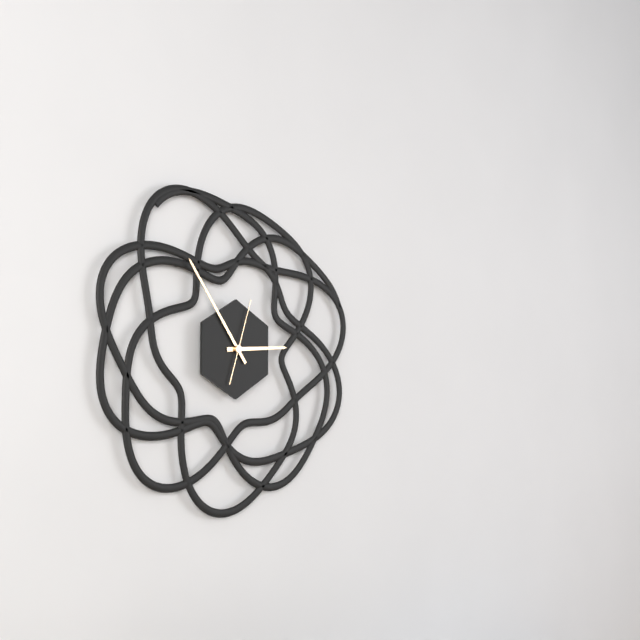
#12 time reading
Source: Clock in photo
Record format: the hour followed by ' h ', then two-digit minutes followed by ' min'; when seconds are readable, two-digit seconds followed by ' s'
2 h 54 min 03 s
